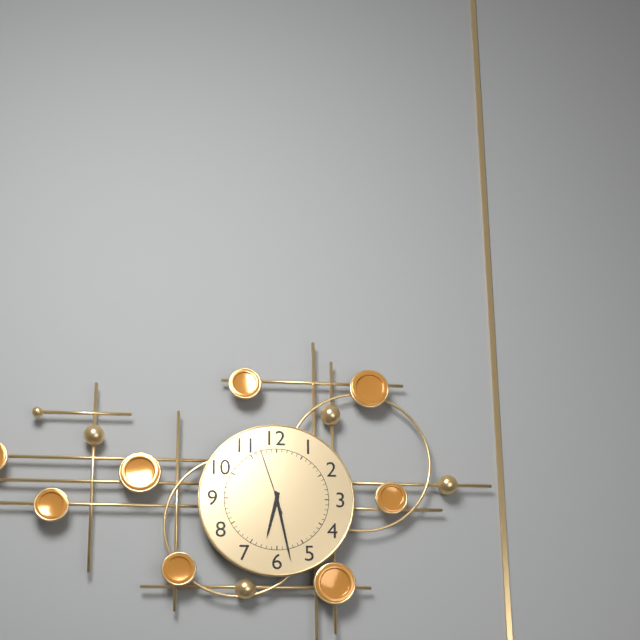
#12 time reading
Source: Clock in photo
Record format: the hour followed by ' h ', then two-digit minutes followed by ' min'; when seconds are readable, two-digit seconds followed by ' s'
6 h 28 min 57 s
